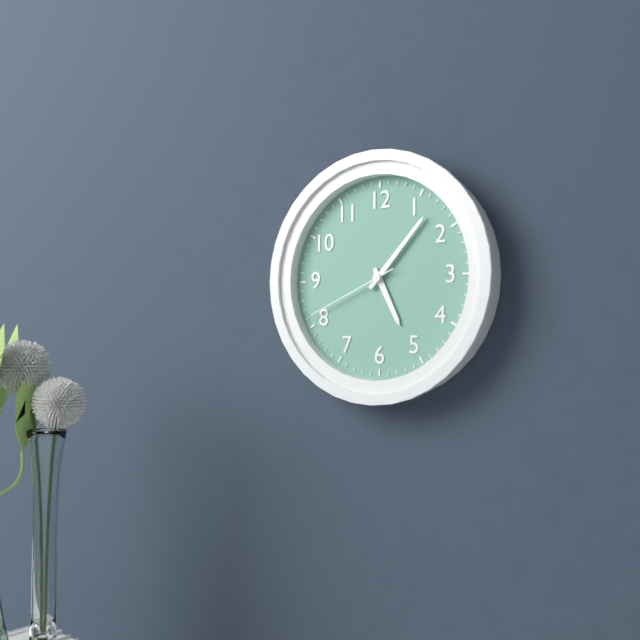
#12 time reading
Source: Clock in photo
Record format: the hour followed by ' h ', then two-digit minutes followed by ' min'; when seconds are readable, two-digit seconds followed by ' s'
5 h 07 min 41 s
